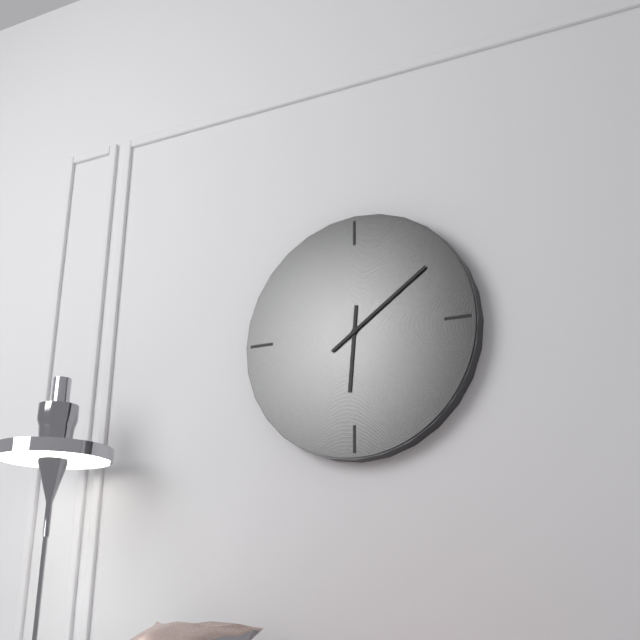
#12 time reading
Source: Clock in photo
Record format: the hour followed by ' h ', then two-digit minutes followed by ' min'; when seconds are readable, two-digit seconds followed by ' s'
6 h 09 min
